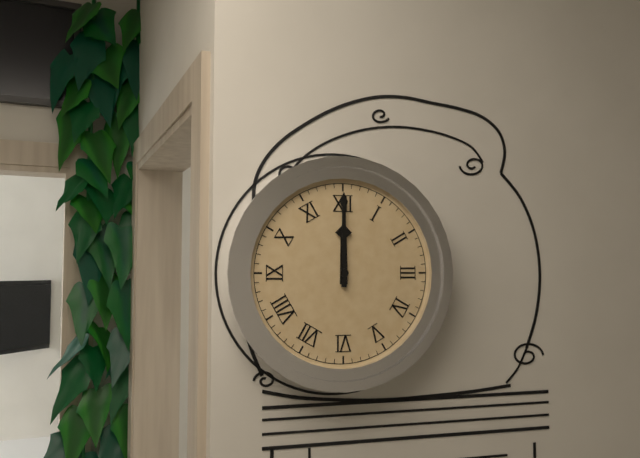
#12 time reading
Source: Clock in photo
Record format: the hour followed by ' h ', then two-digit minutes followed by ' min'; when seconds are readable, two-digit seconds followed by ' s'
12 h 00 min
